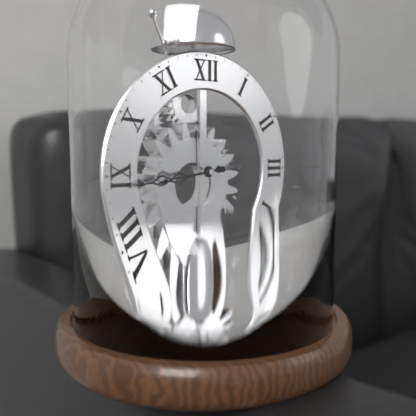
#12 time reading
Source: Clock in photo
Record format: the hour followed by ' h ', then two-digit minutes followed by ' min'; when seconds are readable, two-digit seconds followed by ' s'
8 h 44 min
